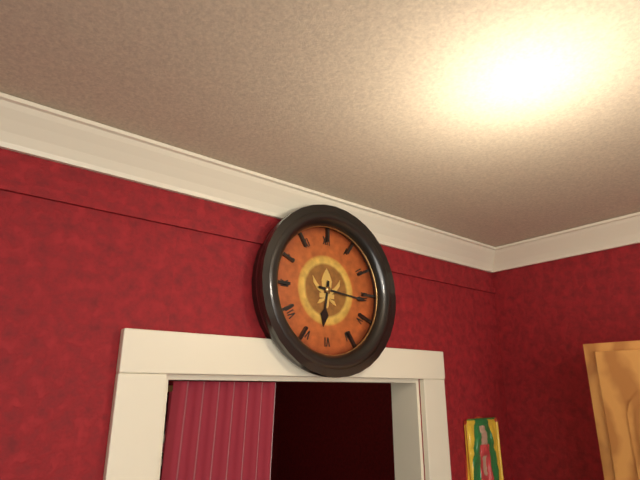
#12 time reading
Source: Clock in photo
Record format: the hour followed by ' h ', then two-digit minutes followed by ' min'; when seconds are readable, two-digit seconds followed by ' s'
6 h 16 min
